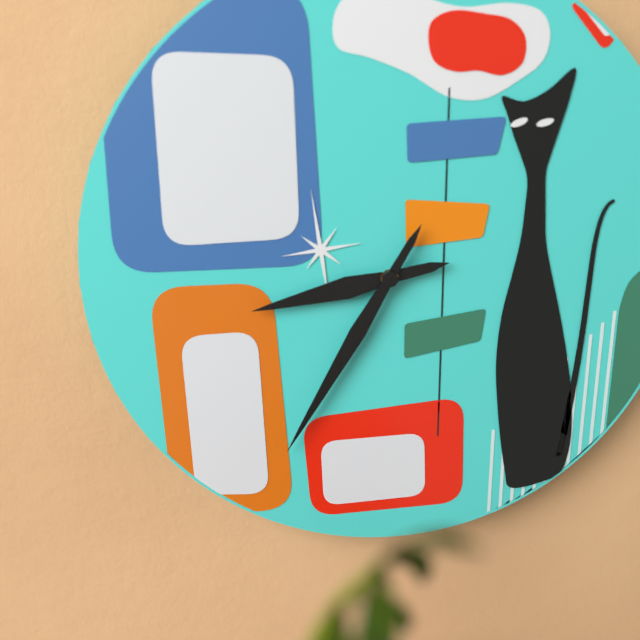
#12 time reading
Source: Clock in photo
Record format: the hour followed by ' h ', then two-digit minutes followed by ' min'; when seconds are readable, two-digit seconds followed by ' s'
8 h 35 min
